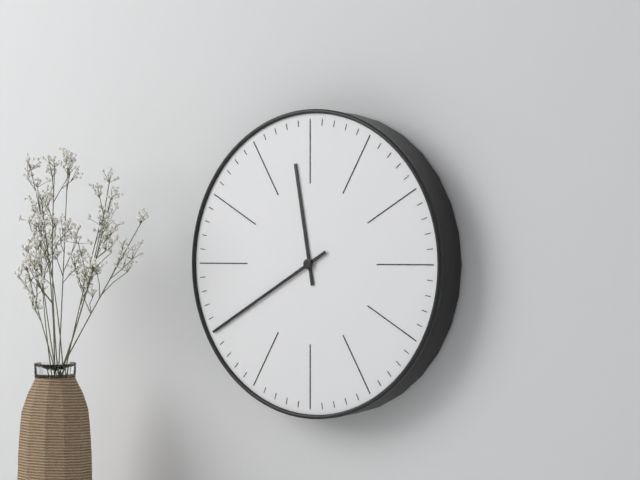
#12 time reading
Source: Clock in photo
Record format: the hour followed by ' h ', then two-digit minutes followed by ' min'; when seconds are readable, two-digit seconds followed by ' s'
11 h 40 min
